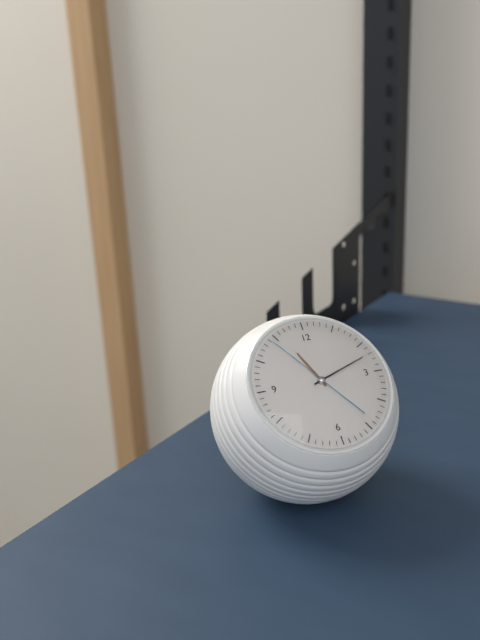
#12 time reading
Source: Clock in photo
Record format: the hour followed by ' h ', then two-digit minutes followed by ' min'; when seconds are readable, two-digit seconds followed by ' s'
11 h 12 min 54 s
